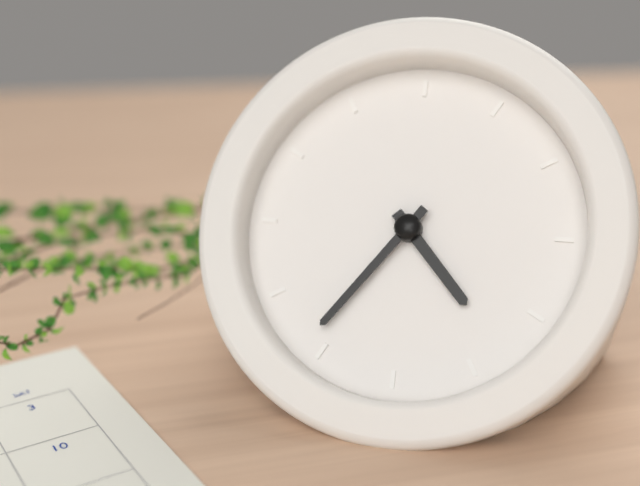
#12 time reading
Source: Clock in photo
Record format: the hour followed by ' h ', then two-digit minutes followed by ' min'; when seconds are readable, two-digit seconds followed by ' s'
4 h 36 min
